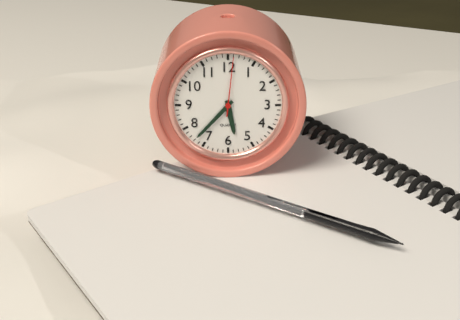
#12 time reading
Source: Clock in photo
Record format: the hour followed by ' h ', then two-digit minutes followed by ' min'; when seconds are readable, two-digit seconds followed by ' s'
5 h 37 min 01 s
